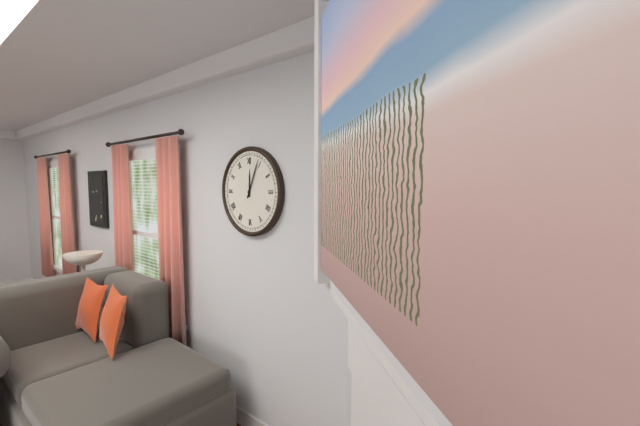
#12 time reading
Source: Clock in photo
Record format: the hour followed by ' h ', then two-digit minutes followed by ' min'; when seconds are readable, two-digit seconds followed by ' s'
12 h 04 min
